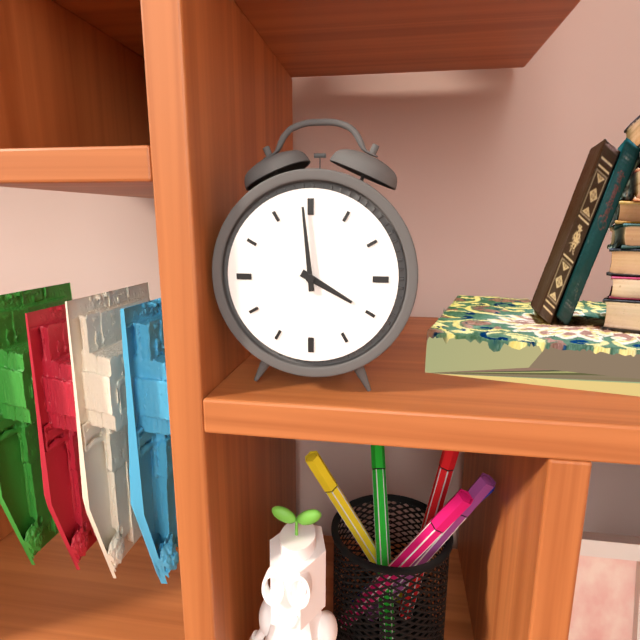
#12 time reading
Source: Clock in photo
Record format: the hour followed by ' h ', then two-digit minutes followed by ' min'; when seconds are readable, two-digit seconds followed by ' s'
3 h 59 min
